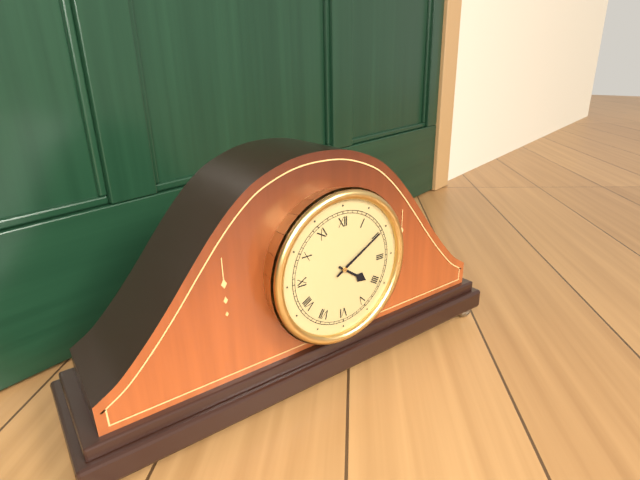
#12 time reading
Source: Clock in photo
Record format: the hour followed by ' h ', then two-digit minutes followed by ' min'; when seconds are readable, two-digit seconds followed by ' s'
4 h 10 min
